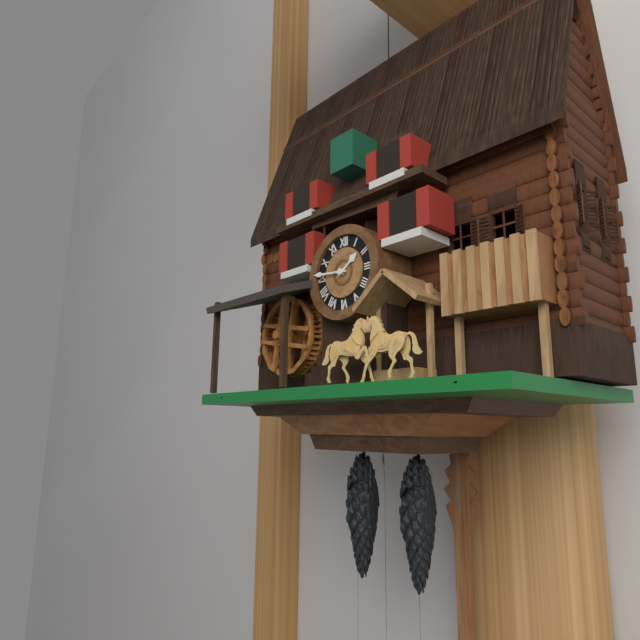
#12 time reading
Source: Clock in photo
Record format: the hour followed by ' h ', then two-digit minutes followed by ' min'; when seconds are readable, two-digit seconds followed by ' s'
1 h 46 min
